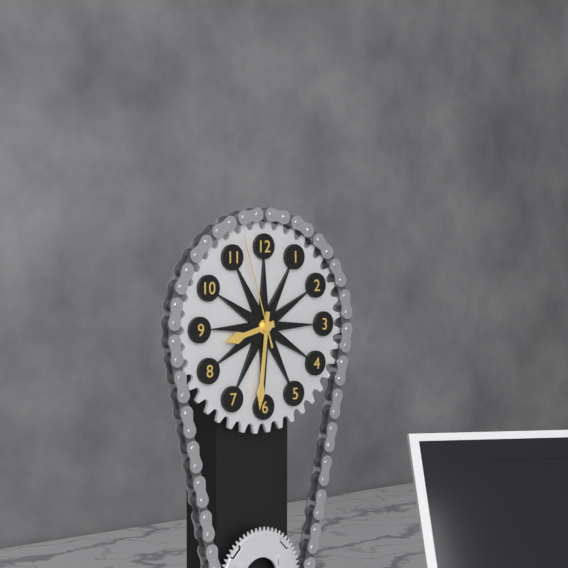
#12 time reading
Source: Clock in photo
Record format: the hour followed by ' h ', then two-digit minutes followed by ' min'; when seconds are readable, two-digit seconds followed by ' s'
8 h 31 min 57 s
